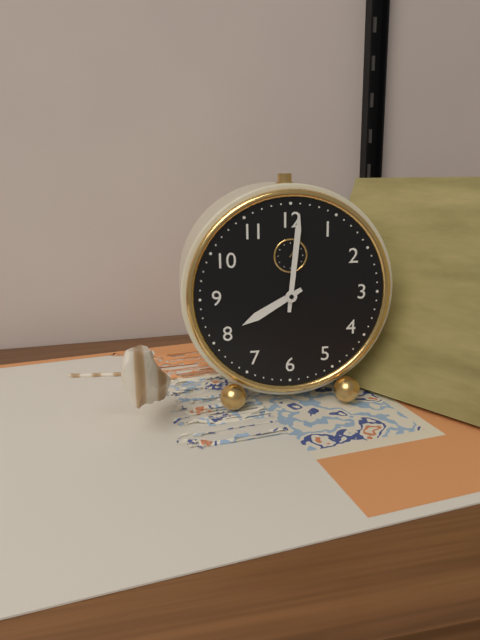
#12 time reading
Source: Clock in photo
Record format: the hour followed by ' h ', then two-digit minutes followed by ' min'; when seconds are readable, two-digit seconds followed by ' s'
8 h 01 min
